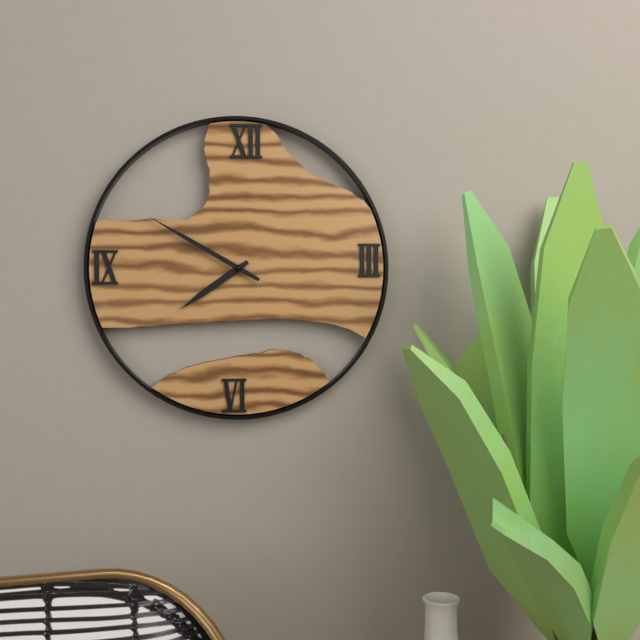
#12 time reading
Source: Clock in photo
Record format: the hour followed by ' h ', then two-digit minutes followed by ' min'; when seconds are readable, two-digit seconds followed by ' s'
7 h 50 min
